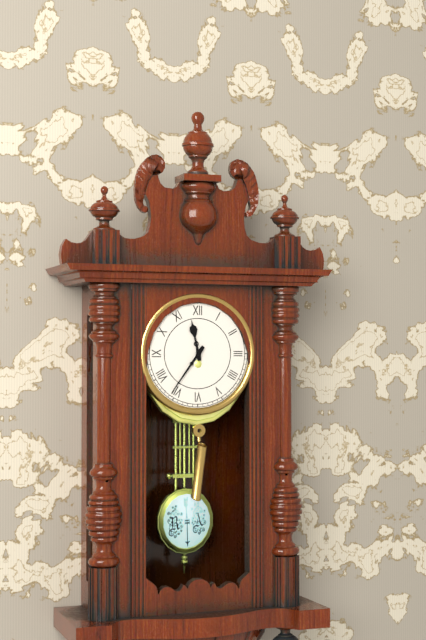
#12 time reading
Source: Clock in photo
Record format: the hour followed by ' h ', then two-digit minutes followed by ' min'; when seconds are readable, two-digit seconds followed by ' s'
11 h 36 min
